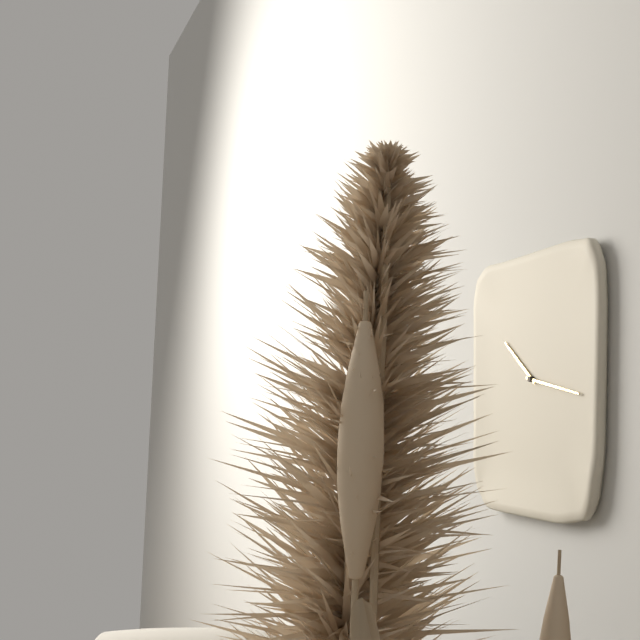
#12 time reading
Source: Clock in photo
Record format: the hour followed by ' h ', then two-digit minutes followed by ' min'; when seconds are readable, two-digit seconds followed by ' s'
10 h 17 min
